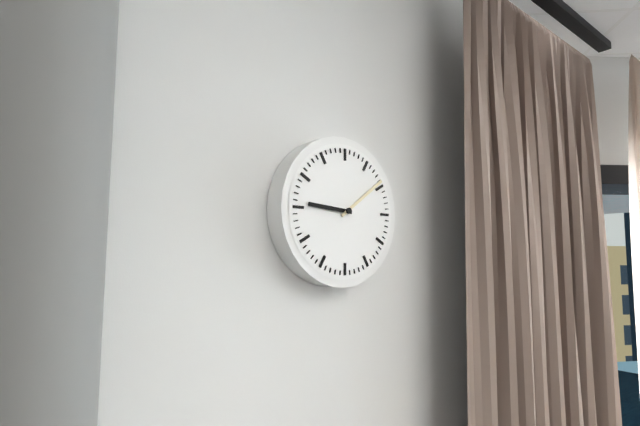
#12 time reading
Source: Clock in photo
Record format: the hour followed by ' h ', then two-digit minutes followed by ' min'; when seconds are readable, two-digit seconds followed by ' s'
9 h 09 min
